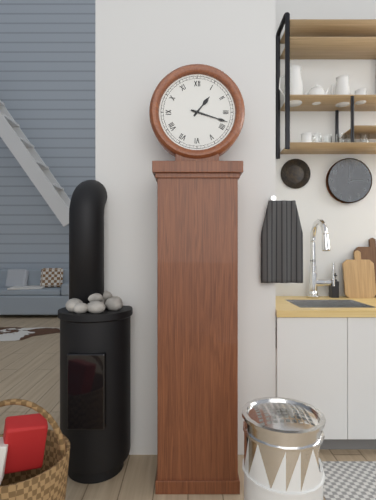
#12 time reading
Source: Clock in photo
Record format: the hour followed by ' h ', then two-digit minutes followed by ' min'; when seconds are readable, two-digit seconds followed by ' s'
1 h 18 min
